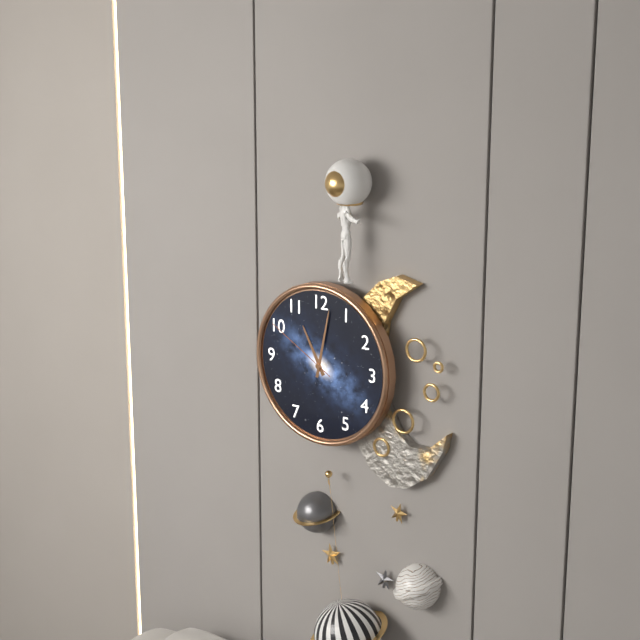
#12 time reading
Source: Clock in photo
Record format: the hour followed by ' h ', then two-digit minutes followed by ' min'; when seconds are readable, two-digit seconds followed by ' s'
11 h 02 min 50 s
